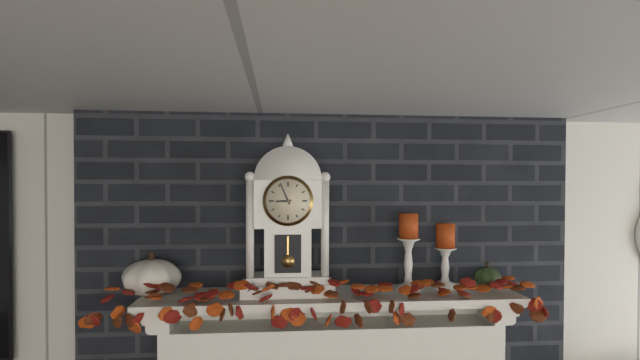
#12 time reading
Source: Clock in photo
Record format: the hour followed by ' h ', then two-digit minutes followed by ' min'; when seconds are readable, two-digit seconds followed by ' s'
8 h 56 min
